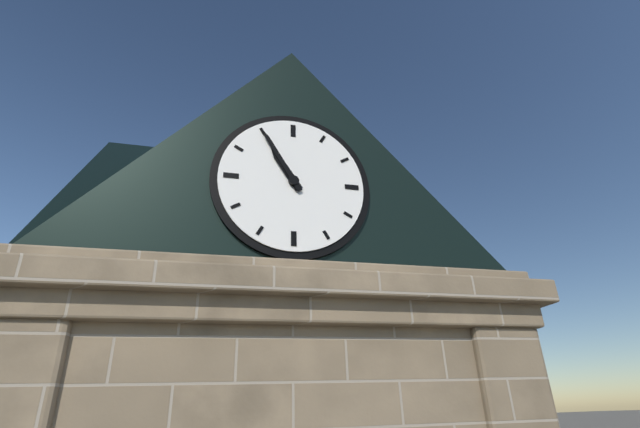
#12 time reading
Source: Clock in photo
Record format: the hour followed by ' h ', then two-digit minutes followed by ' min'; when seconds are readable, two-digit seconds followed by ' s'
10 h 55 min
